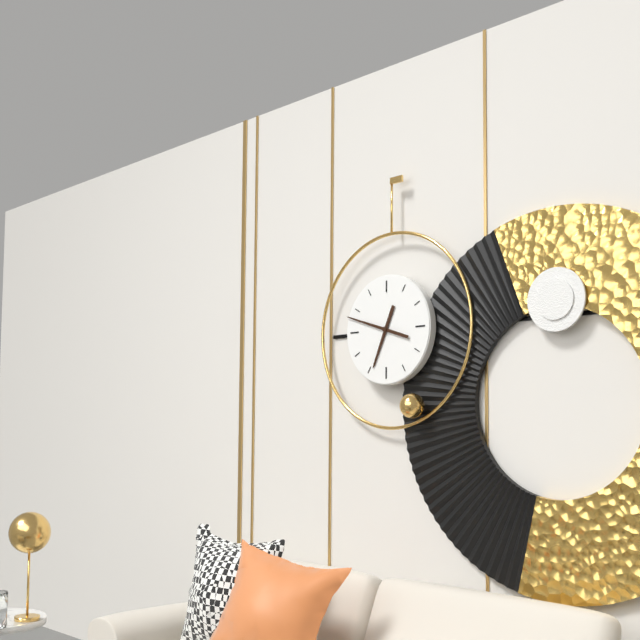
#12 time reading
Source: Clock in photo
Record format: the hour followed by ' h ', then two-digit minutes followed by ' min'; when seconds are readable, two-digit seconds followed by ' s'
6 h 48 min
